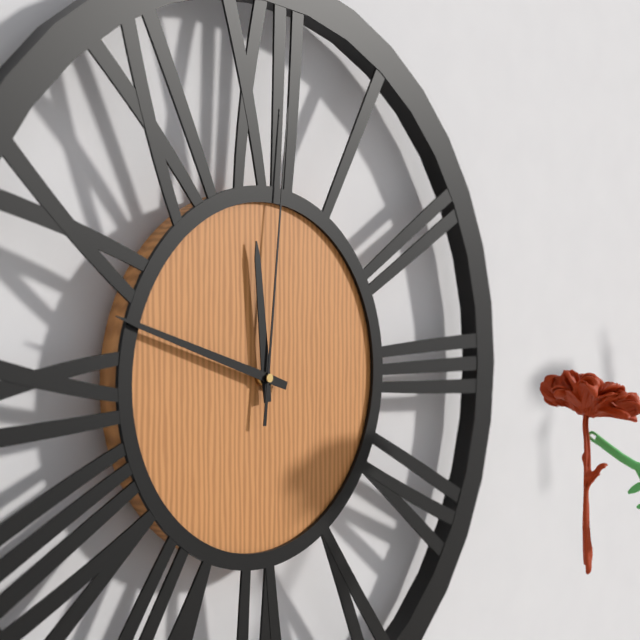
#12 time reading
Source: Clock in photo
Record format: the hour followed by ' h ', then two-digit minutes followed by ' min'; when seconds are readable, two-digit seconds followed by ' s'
11 h 48 min 01 s
